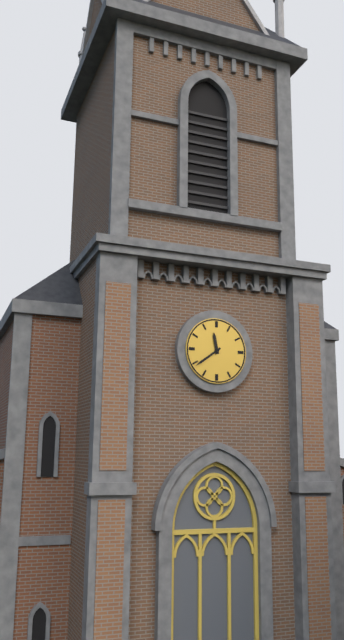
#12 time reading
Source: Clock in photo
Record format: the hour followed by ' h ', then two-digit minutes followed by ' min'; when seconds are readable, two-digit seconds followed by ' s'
11 h 39 min
